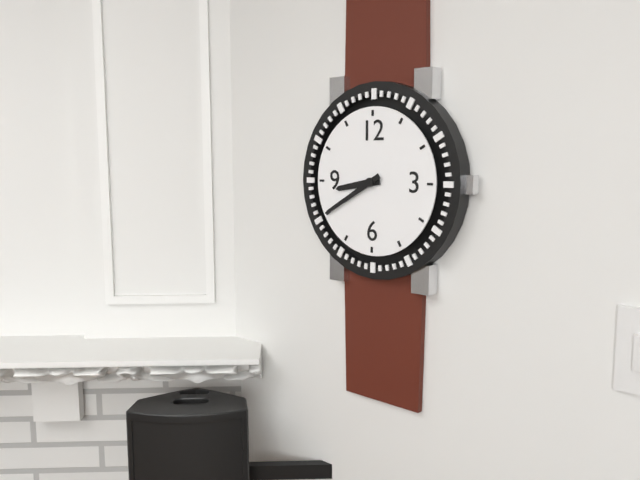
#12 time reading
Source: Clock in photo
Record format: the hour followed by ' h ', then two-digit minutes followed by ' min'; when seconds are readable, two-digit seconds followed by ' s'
8 h 40 min
